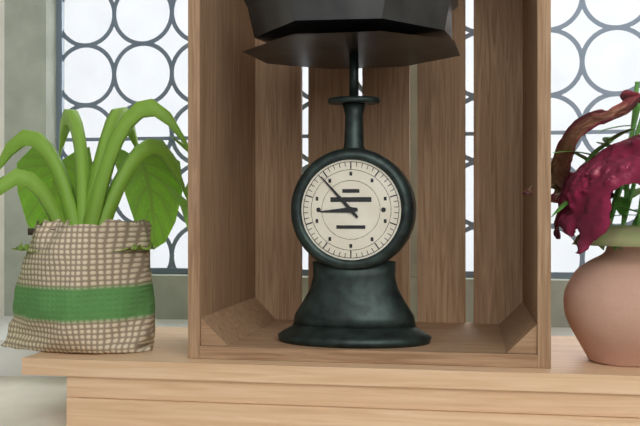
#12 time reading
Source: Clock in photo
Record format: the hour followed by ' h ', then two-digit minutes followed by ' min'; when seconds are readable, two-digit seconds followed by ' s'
8 h 53 min
